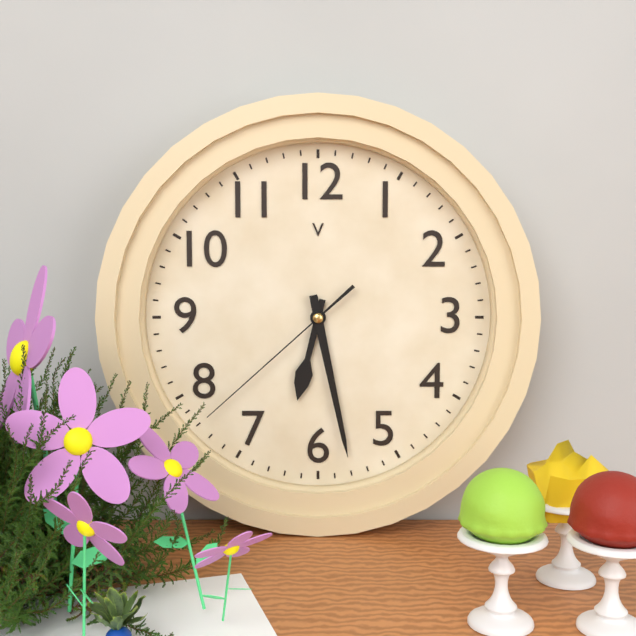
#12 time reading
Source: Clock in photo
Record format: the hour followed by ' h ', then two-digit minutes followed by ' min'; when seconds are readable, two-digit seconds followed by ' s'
6 h 28 min 38 s
